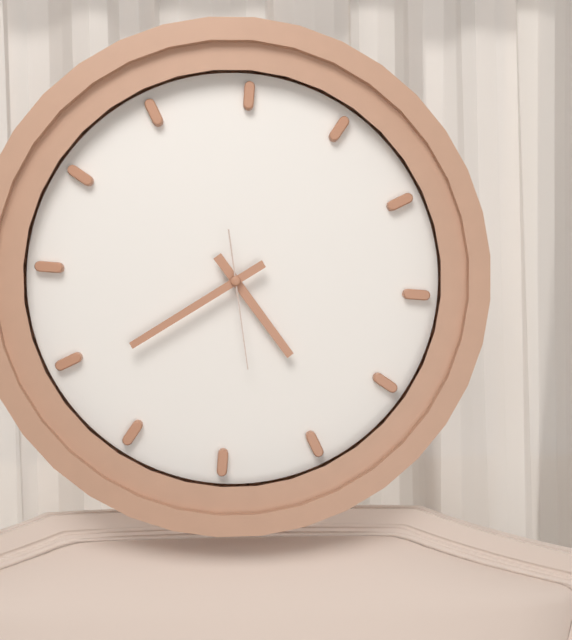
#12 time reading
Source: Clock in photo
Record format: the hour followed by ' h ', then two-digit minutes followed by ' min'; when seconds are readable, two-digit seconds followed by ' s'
4 h 39 min 28 s
